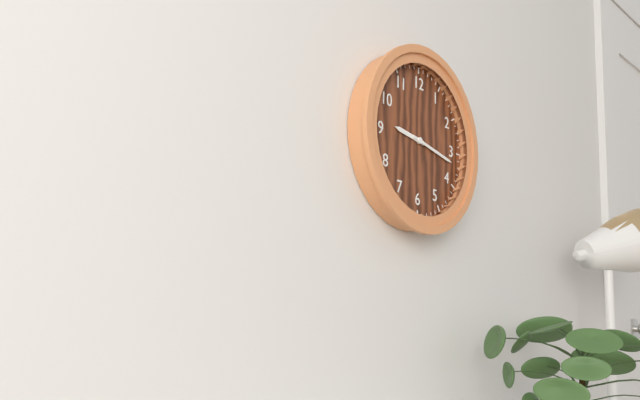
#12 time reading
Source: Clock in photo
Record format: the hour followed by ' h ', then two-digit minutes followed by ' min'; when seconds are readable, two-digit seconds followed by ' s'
9 h 17 min
